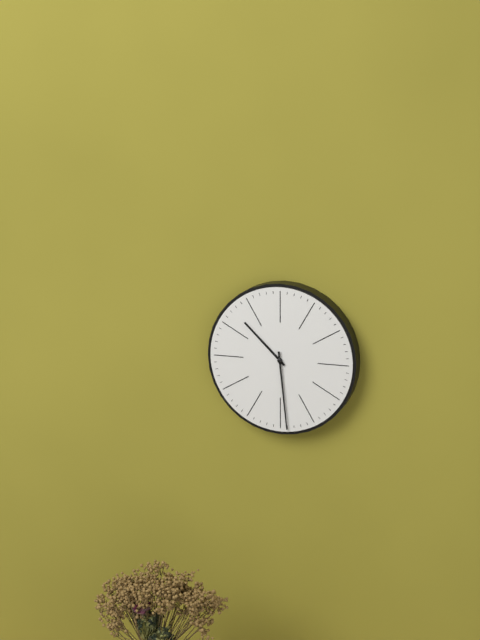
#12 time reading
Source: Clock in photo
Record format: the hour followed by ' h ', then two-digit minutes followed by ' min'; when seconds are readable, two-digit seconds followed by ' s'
10 h 29 min
